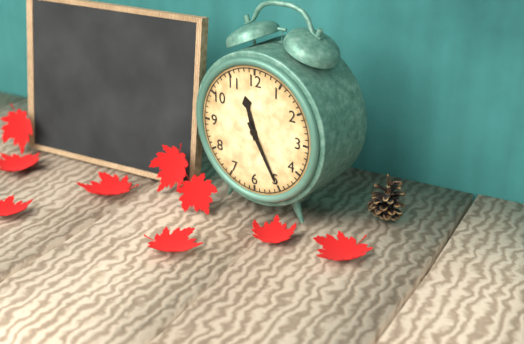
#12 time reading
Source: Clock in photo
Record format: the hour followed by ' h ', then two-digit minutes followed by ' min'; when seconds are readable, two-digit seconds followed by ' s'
11 h 25 min
